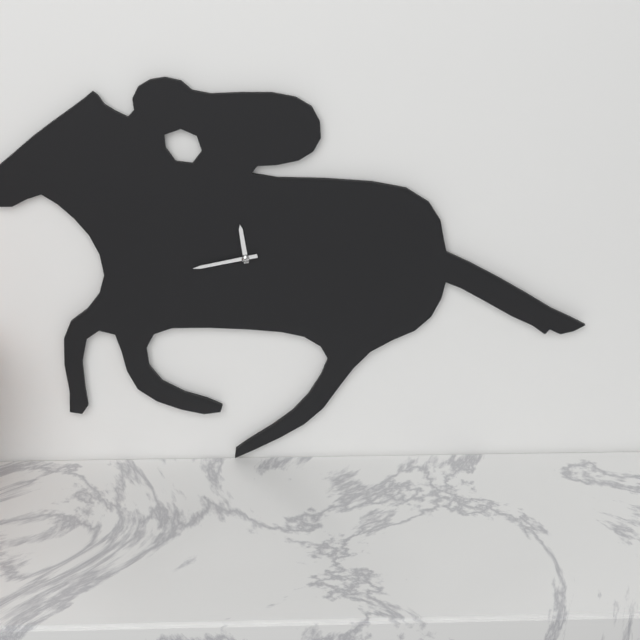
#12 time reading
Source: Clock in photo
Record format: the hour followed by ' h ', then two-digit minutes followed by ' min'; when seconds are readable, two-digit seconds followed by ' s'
11 h 43 min
